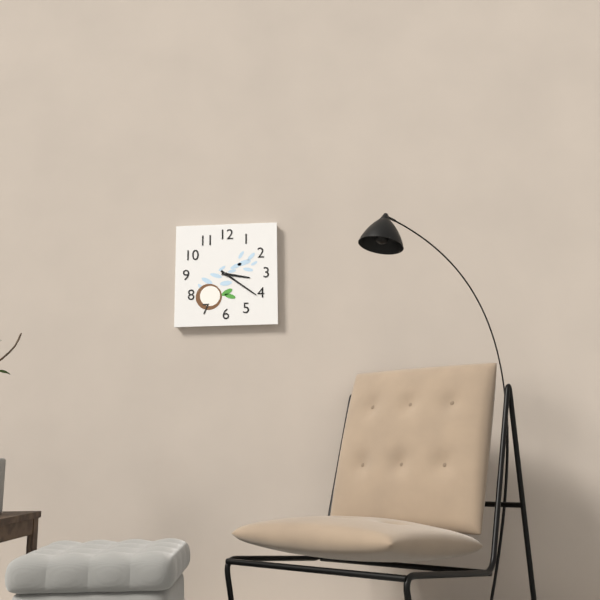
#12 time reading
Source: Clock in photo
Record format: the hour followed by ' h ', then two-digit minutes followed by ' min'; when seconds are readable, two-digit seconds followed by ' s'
3 h 21 min
